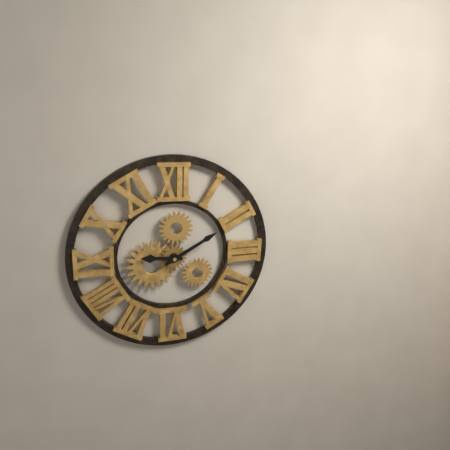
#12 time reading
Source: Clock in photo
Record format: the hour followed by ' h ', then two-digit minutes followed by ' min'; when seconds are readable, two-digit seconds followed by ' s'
9 h 10 min
